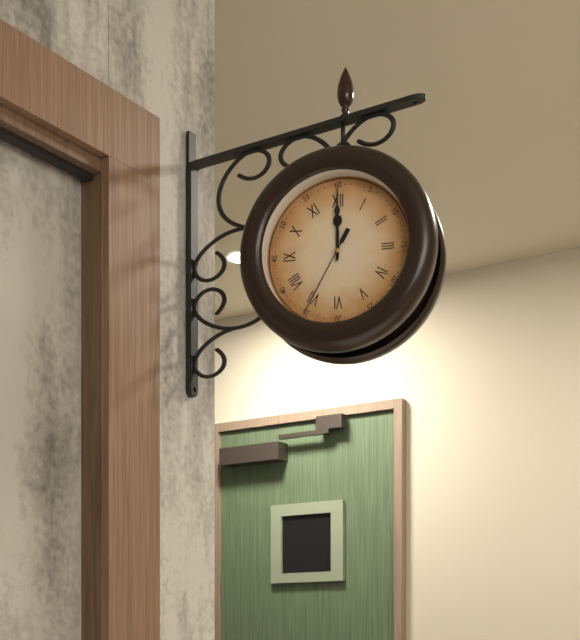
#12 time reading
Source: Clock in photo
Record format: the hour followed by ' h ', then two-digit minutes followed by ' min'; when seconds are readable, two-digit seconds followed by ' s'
12 h 00 min 35 s
